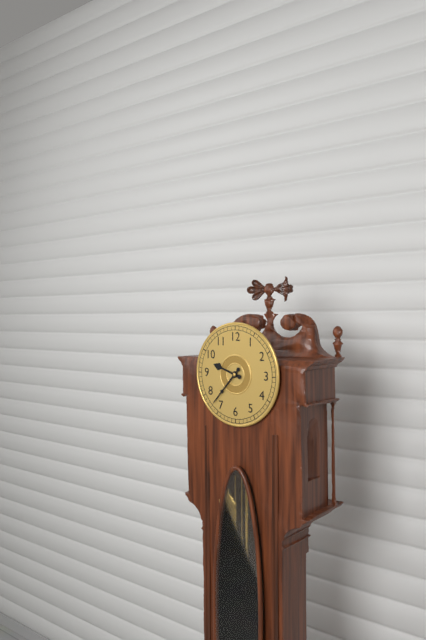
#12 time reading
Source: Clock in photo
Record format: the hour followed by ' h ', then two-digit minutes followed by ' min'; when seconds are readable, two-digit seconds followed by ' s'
9 h 37 min
